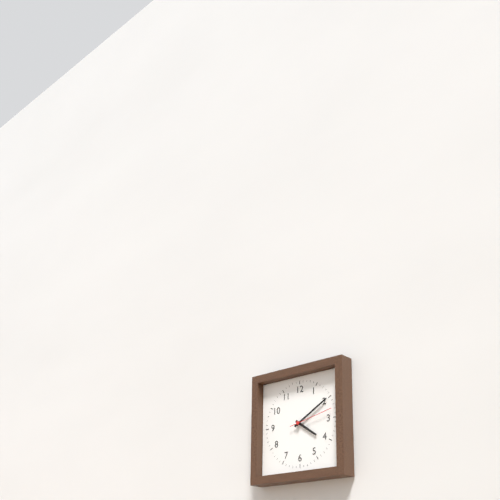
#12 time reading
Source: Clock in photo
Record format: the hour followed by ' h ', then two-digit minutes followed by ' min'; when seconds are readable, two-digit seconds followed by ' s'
4 h 10 min
